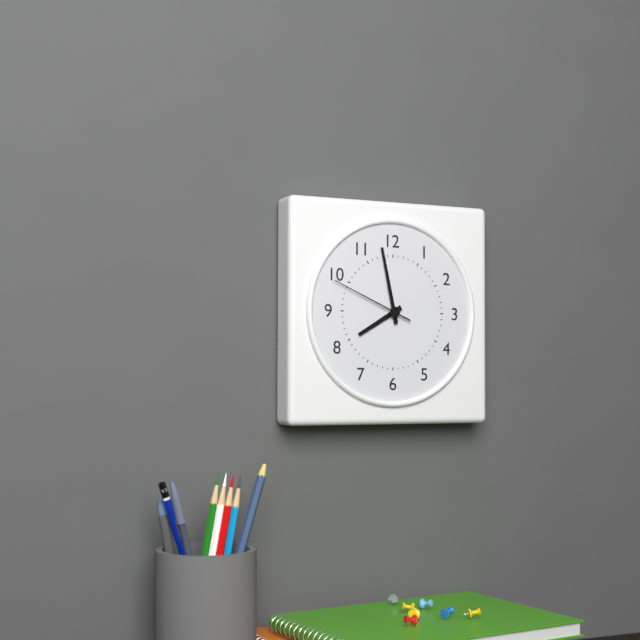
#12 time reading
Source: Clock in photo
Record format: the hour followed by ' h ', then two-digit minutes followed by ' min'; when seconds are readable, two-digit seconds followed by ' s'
7 h 58 min 49 s
